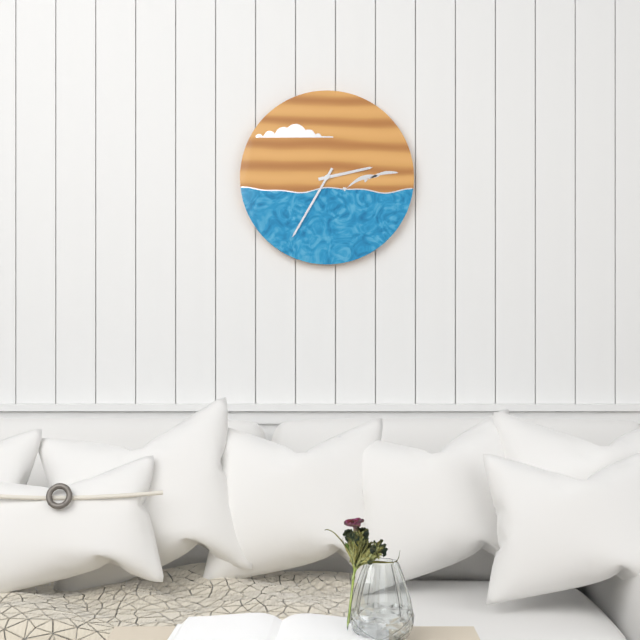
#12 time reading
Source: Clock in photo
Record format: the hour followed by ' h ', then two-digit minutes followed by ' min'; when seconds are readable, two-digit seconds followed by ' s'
2 h 35 min
